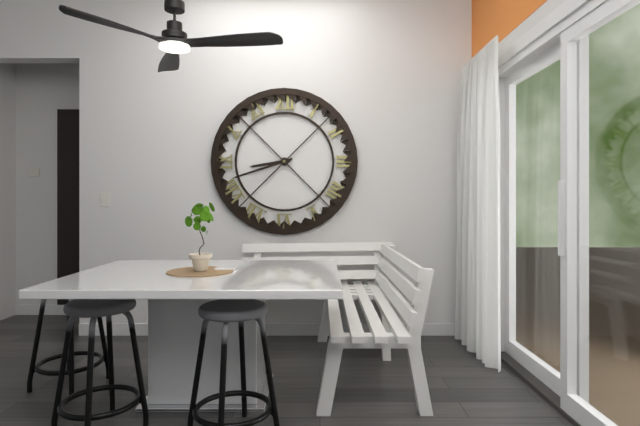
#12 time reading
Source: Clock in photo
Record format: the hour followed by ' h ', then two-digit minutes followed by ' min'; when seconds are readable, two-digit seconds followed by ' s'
8 h 42 min
